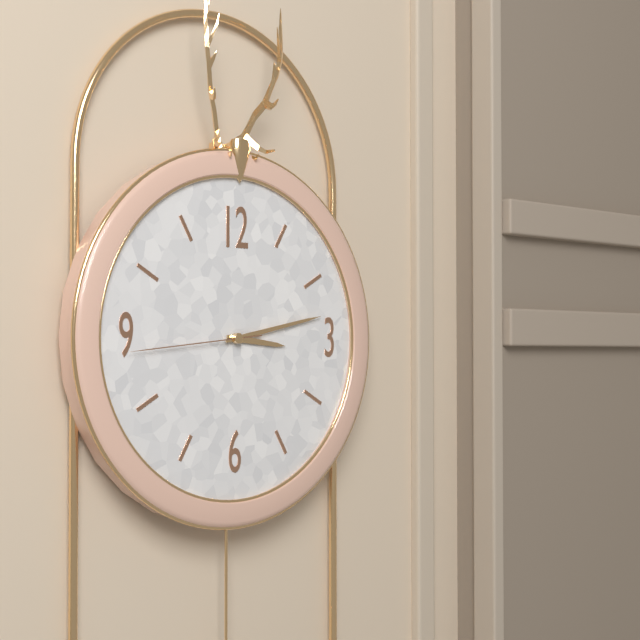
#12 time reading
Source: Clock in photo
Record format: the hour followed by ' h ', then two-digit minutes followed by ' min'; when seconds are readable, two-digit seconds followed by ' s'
3 h 13 min 44 s
